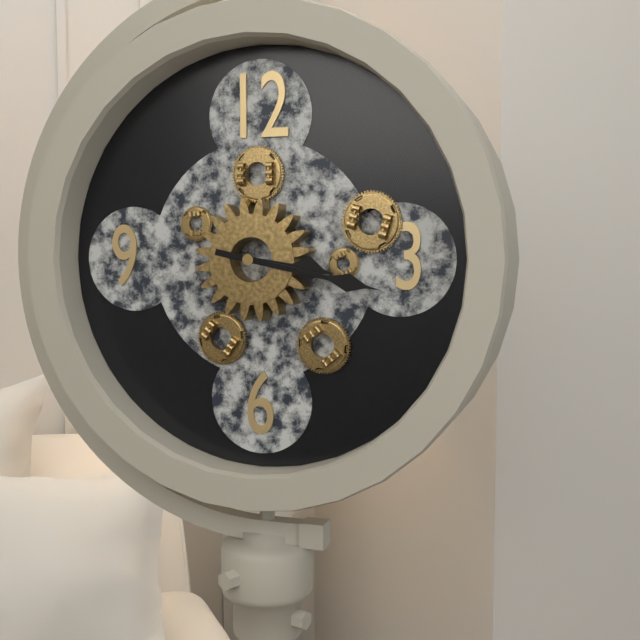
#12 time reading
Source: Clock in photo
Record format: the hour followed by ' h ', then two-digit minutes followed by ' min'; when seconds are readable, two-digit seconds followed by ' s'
3 h 17 min
